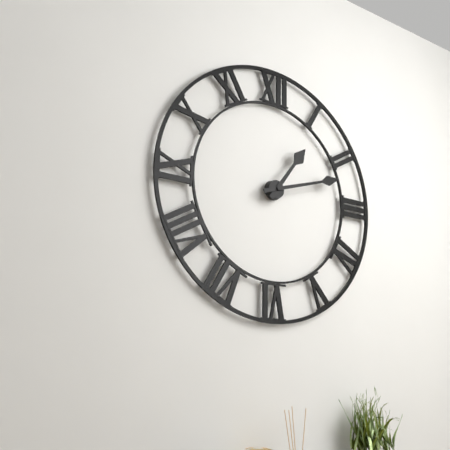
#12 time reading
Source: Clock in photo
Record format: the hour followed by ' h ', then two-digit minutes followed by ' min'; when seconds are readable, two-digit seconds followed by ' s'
1 h 12 min
